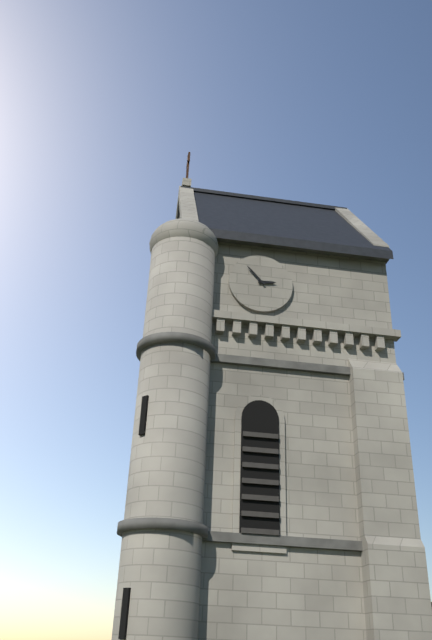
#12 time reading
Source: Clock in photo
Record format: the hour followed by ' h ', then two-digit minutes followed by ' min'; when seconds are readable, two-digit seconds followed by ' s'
2 h 53 min
